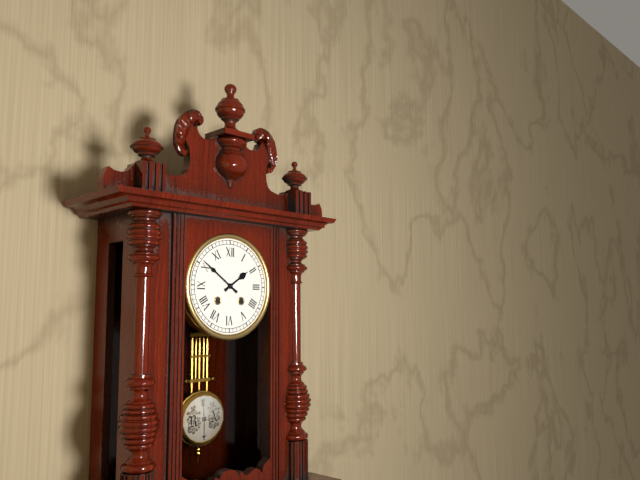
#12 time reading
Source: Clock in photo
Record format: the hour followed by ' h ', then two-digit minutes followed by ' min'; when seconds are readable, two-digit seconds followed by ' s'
1 h 51 min
